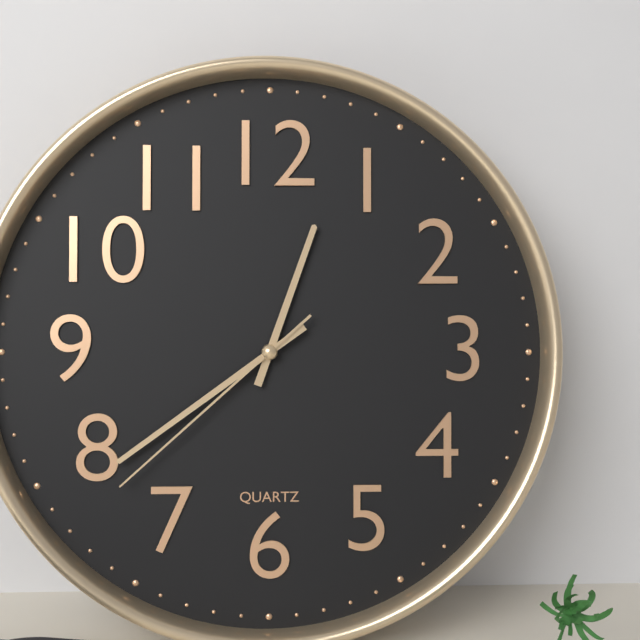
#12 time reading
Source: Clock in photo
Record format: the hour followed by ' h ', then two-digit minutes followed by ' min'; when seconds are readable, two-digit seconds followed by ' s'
12 h 39 min 38 s
